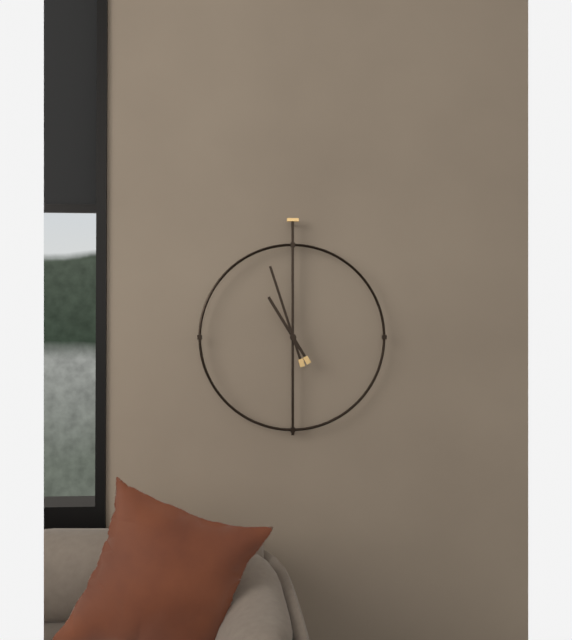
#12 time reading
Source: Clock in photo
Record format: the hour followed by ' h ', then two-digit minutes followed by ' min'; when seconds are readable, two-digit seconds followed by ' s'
10 h 57 min
